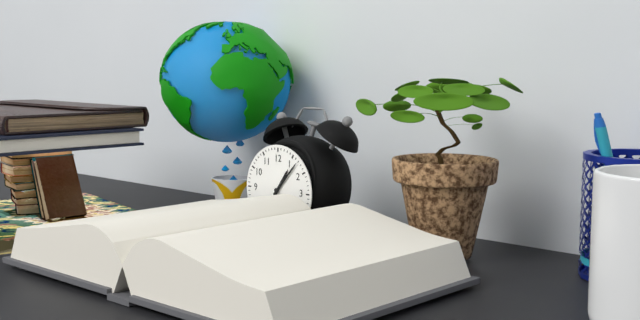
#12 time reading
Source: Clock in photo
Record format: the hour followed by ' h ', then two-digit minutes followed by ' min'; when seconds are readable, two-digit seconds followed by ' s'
1 h 07 min
